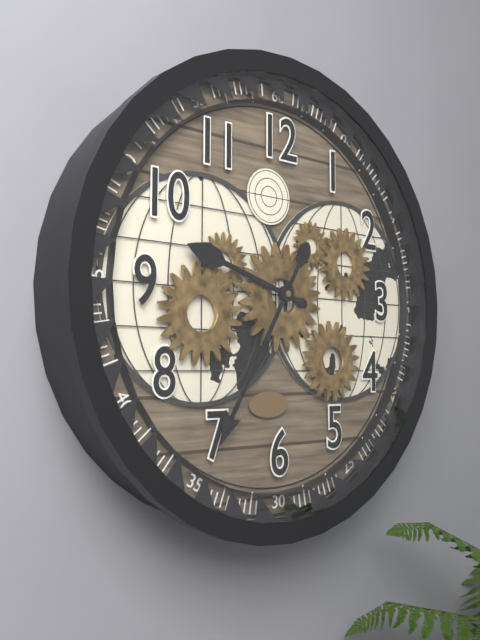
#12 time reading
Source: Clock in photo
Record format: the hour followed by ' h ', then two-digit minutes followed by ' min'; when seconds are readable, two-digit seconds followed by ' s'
9 h 35 min
